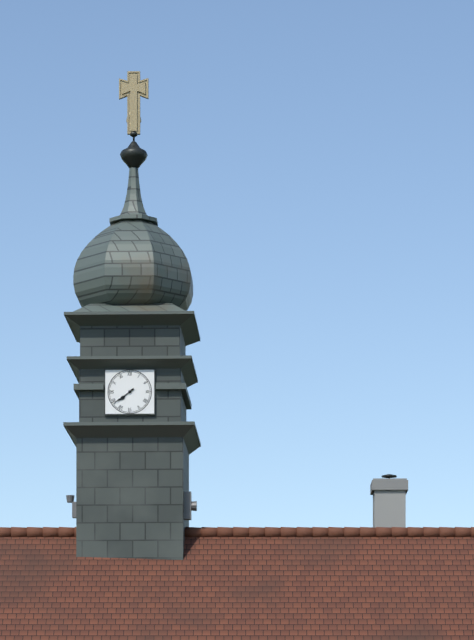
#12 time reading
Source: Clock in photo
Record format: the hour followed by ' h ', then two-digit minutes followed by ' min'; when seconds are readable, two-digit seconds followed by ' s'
7 h 39 min
